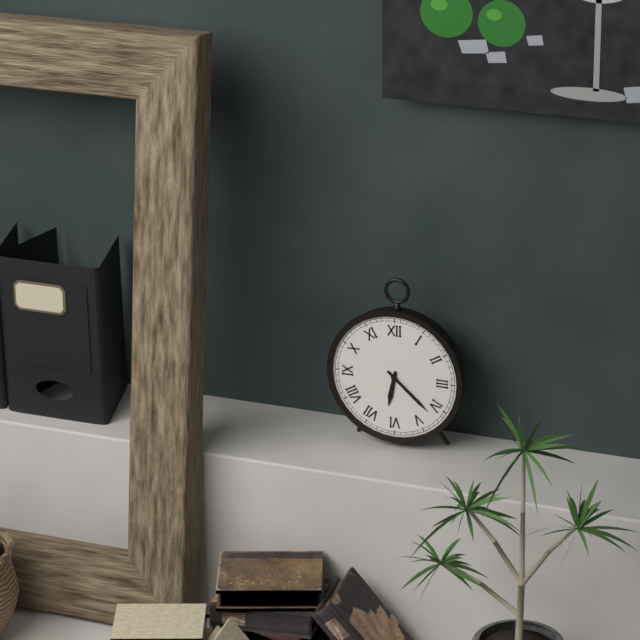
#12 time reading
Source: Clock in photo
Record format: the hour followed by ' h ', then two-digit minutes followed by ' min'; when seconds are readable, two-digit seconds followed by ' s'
6 h 22 min
